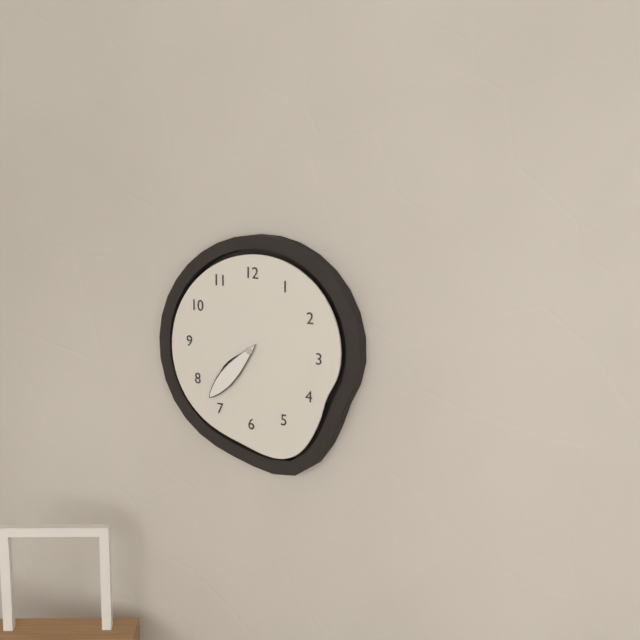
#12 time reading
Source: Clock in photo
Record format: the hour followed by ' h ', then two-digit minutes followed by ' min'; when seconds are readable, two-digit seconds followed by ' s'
7 h 37 min
